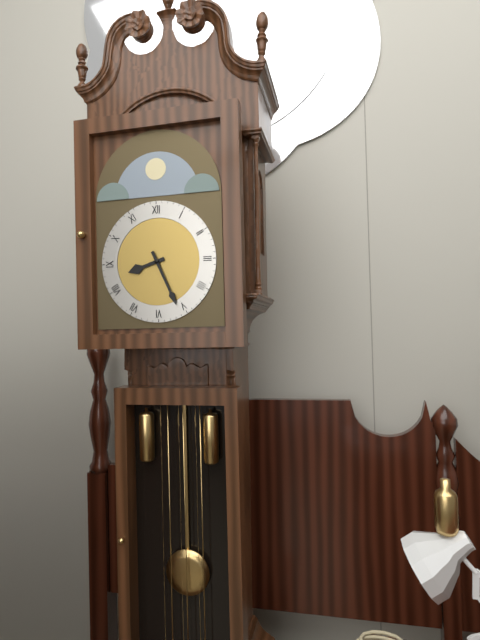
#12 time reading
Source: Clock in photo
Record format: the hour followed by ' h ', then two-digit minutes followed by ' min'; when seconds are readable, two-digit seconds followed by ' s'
8 h 26 min
